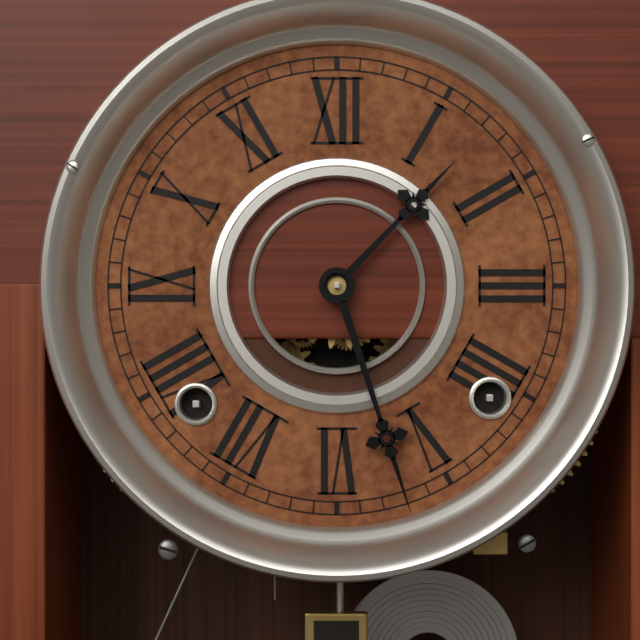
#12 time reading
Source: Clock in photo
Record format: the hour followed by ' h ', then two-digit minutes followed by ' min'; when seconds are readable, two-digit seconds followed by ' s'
1 h 27 min
